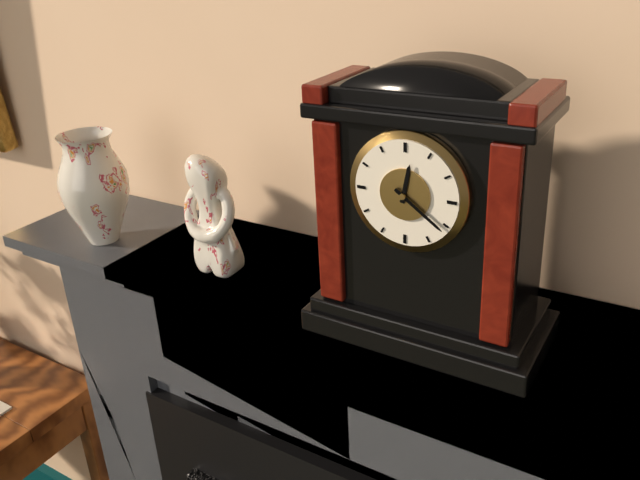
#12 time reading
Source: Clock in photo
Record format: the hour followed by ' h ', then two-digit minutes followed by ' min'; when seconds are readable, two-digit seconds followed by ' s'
12 h 21 min
